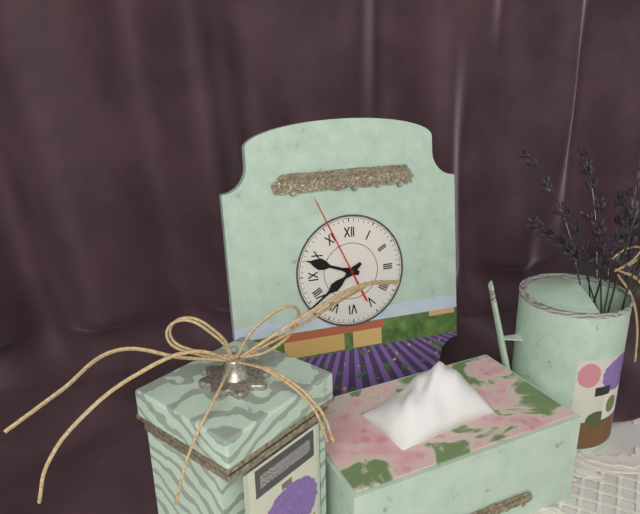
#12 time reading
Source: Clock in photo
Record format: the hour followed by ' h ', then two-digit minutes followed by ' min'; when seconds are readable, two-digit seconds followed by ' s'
9 h 39 min 56 s
